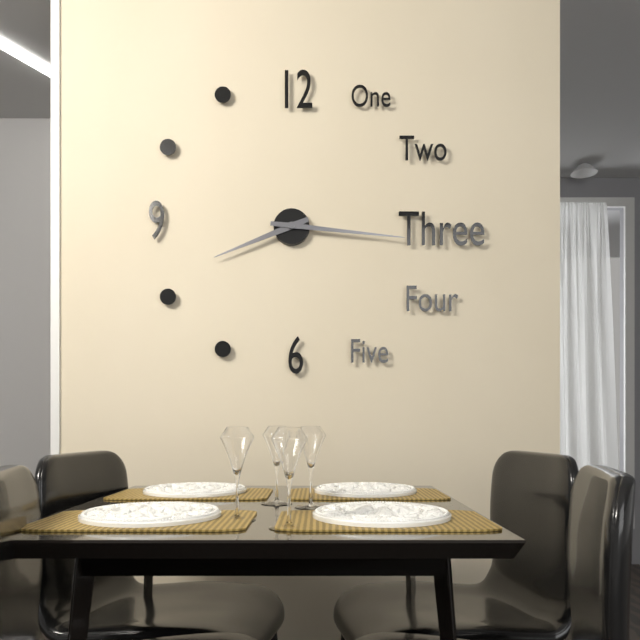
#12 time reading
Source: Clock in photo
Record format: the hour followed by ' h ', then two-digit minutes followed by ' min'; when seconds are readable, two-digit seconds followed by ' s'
8 h 16 min
